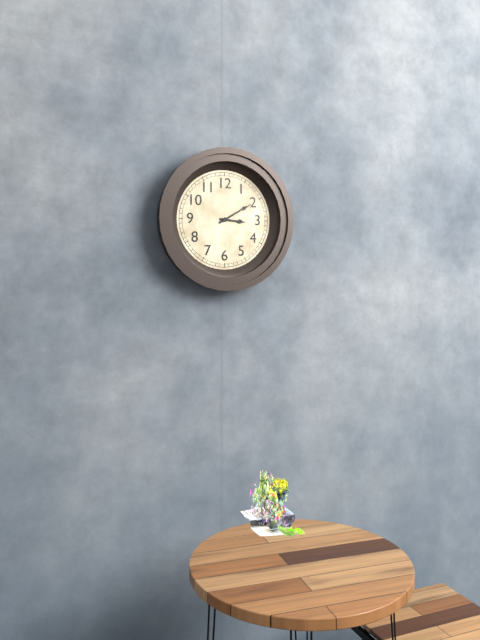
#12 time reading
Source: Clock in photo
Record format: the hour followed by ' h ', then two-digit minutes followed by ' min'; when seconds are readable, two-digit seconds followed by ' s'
3 h 10 min
